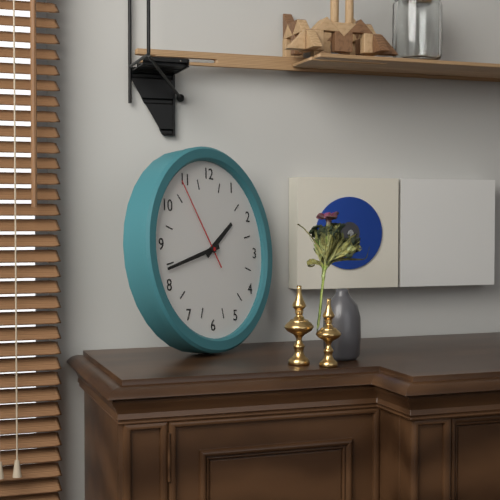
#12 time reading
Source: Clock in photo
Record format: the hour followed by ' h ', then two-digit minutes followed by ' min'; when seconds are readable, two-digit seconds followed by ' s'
1 h 42 min 54 s
